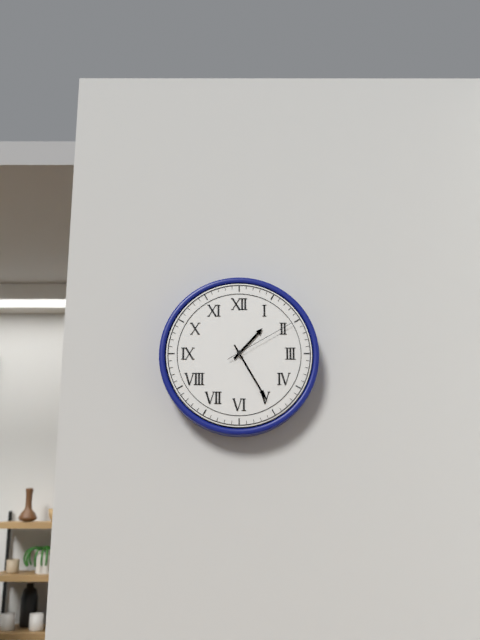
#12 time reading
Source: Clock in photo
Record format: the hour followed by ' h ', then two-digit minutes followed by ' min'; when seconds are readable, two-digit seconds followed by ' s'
1 h 25 min 10 s
